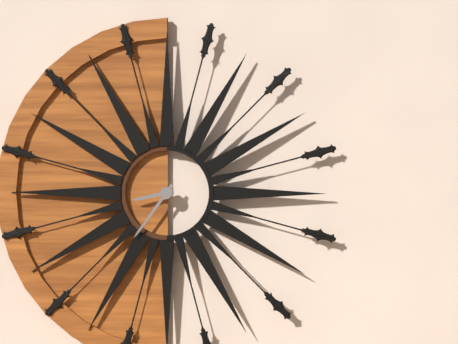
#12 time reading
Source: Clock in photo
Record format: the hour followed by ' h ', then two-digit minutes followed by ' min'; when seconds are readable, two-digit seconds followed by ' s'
8 h 36 min
